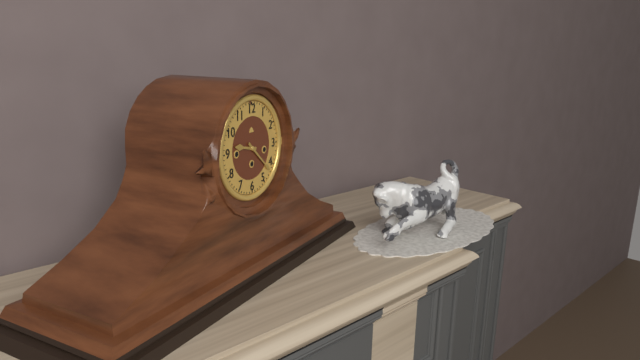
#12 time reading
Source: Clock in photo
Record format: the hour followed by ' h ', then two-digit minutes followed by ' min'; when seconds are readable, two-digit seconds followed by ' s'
9 h 22 min
